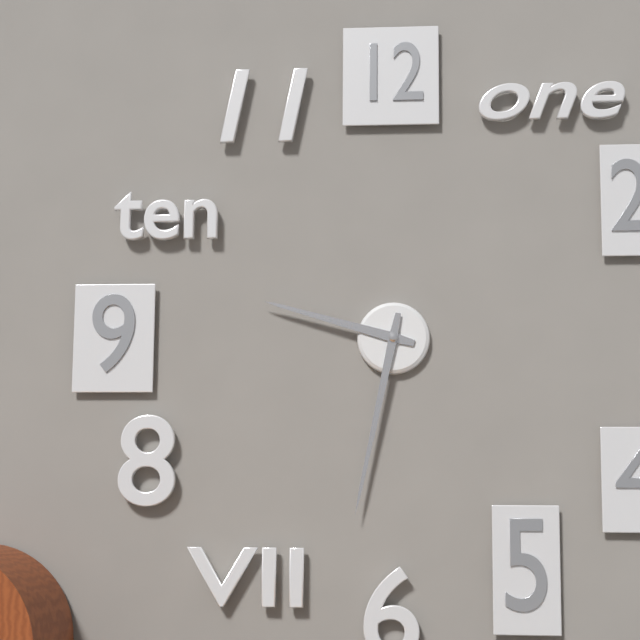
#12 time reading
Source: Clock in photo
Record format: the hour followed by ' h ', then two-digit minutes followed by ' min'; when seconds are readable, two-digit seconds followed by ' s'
9 h 32 min
